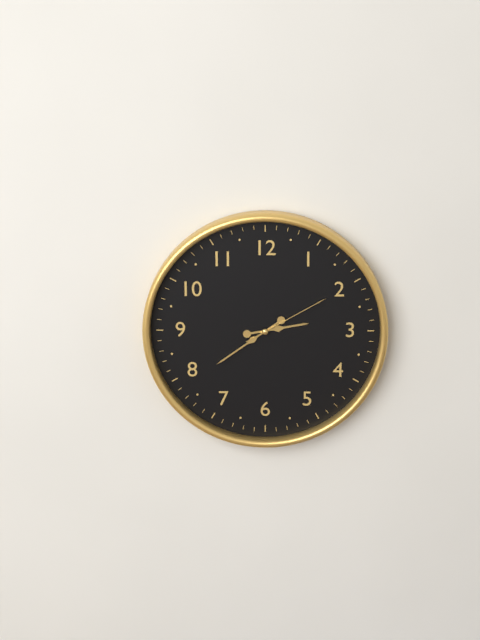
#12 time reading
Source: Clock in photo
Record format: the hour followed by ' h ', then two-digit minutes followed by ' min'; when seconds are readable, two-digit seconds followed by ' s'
2 h 39 min 10 s
